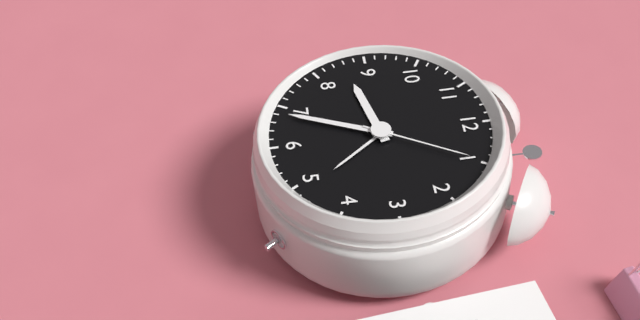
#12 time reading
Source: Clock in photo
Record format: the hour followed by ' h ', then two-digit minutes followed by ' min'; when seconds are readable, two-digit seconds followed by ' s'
8 h 34 min 05 s
